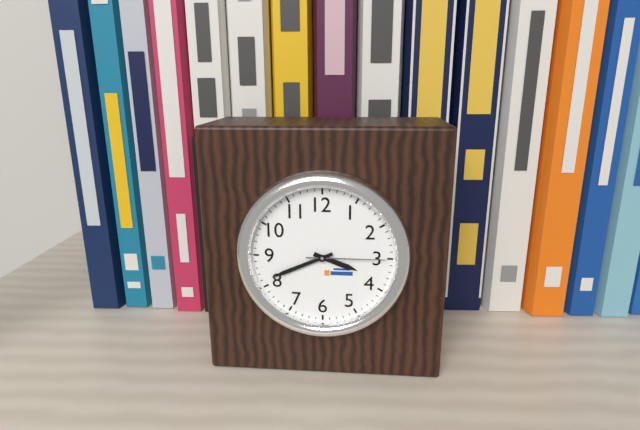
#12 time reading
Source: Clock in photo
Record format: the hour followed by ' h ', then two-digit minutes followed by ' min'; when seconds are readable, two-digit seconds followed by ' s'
3 h 41 min 15 s
